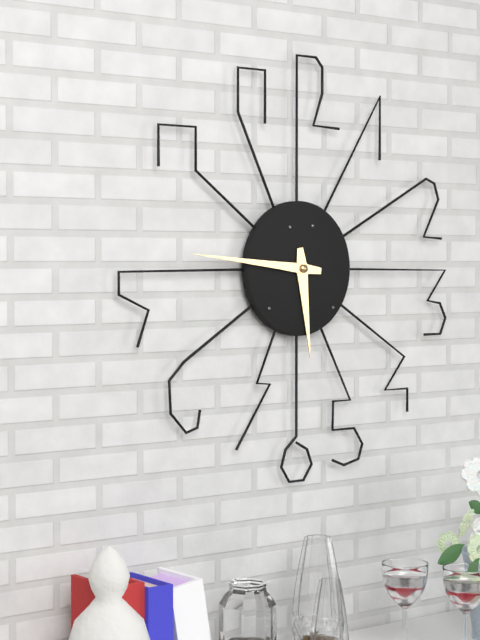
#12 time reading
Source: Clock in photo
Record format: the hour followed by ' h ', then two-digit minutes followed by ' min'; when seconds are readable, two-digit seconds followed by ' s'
5 h 46 min
